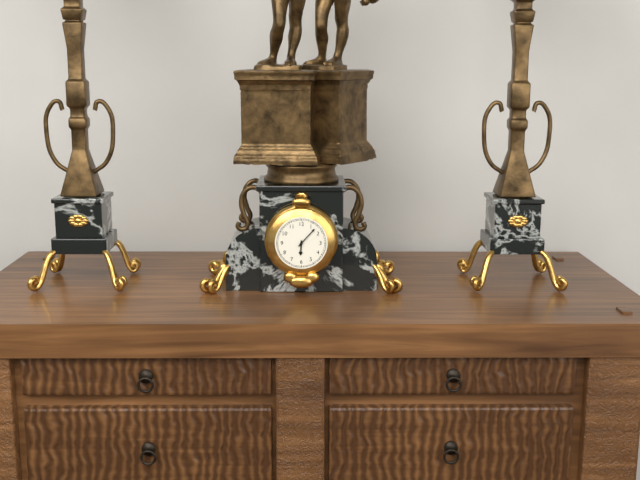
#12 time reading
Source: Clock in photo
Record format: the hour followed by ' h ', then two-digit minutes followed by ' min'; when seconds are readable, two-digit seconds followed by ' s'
6 h 07 min
